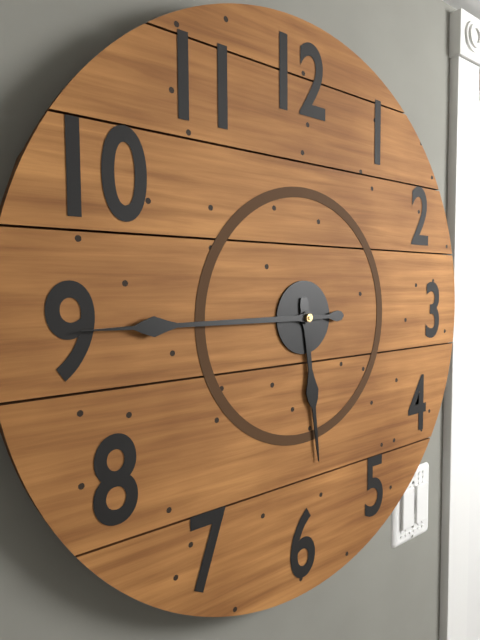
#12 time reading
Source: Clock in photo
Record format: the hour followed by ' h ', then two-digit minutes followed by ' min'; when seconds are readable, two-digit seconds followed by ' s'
5 h 45 min
